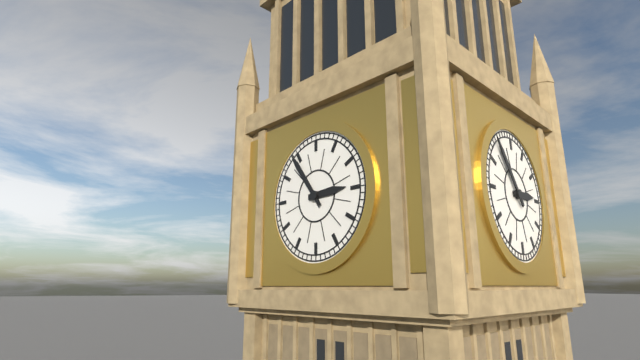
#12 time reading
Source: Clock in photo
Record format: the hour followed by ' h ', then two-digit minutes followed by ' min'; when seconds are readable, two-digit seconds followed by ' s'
2 h 54 min
